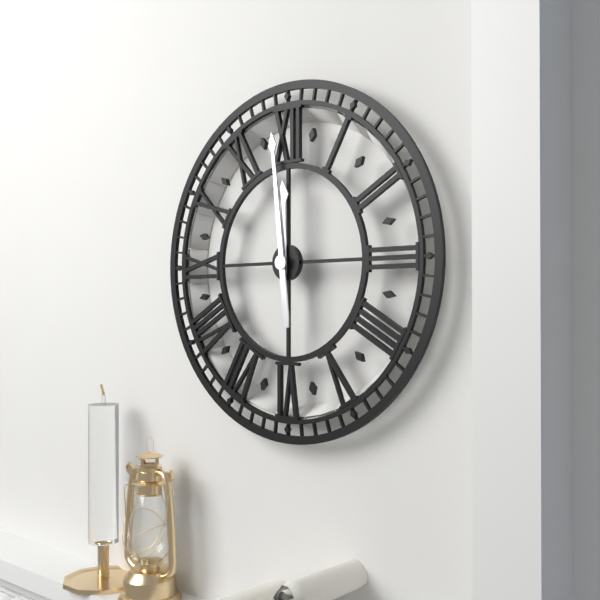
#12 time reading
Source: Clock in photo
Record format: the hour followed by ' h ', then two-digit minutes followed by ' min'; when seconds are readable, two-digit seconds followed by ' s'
11 h 59 min
